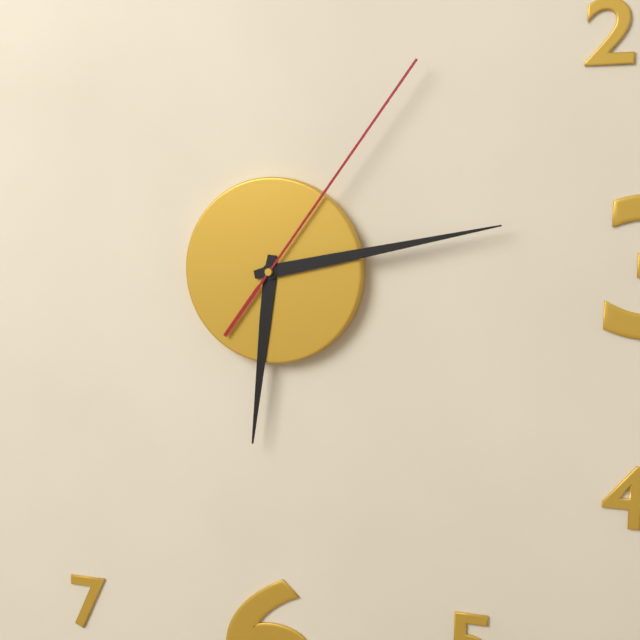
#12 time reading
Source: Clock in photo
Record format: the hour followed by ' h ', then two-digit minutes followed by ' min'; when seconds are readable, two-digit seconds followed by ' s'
6 h 13 min 06 s
